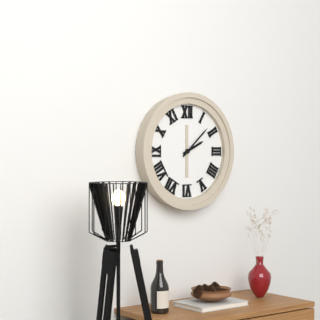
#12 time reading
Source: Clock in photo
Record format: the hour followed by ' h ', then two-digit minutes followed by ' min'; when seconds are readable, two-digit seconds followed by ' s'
2 h 08 min
